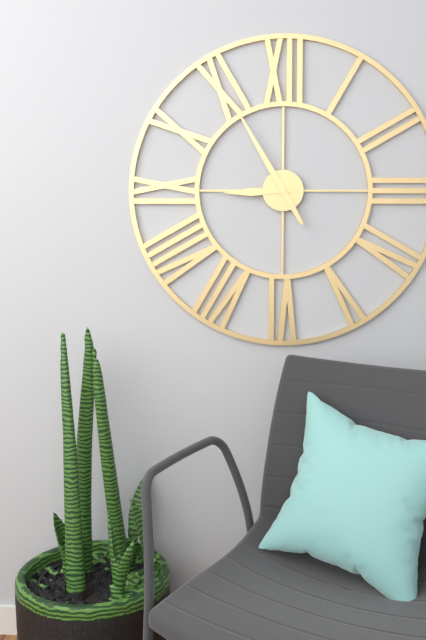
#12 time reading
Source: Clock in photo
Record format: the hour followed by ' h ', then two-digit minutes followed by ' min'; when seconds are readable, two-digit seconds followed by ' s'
8 h 55 min
